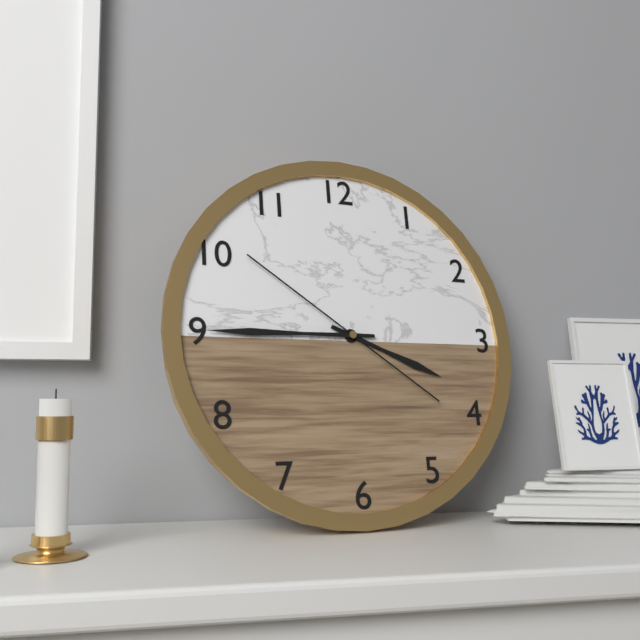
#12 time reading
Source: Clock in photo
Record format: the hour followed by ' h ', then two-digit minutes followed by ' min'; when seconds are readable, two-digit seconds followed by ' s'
3 h 45 min 51 s
